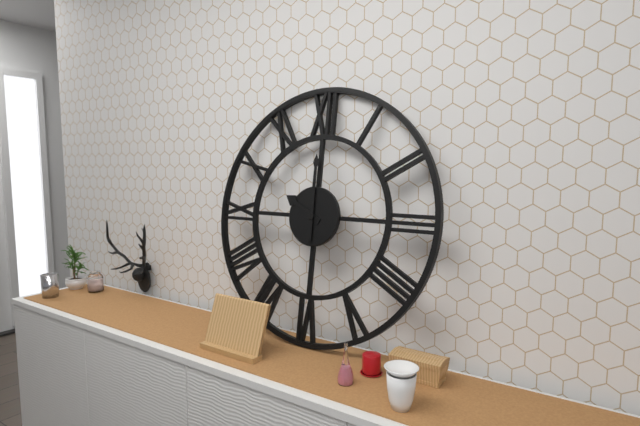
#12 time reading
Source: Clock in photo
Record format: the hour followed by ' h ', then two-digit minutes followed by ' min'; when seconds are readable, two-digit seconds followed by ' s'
10 h 00 min
